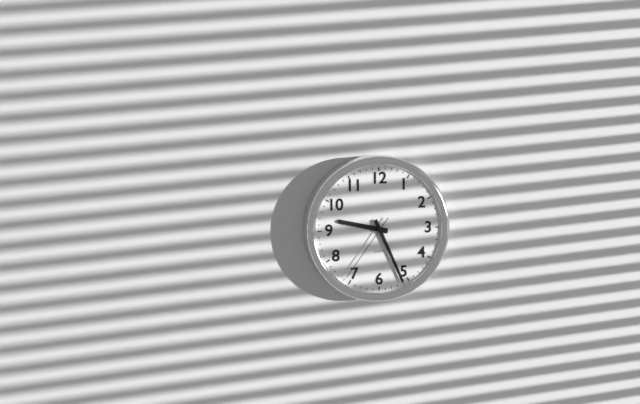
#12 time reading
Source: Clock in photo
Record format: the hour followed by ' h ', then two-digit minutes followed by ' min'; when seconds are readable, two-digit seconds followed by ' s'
9 h 26 min 36 s
